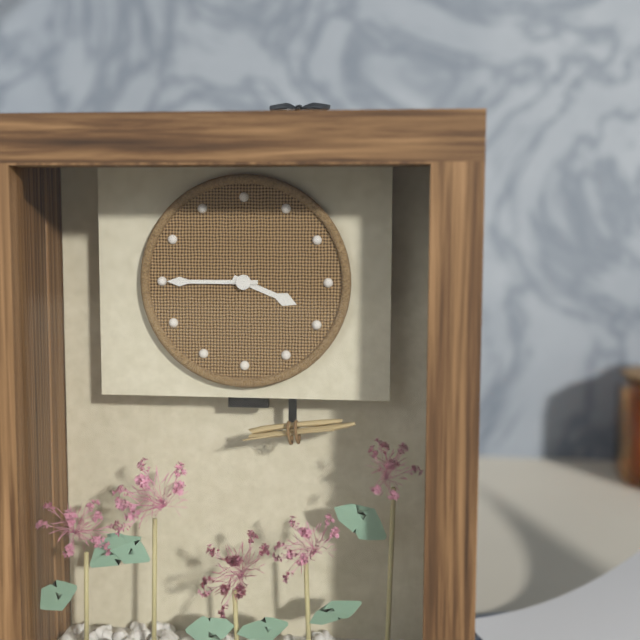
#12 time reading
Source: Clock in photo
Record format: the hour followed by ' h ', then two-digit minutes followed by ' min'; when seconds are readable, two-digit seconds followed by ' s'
3 h 45 min
